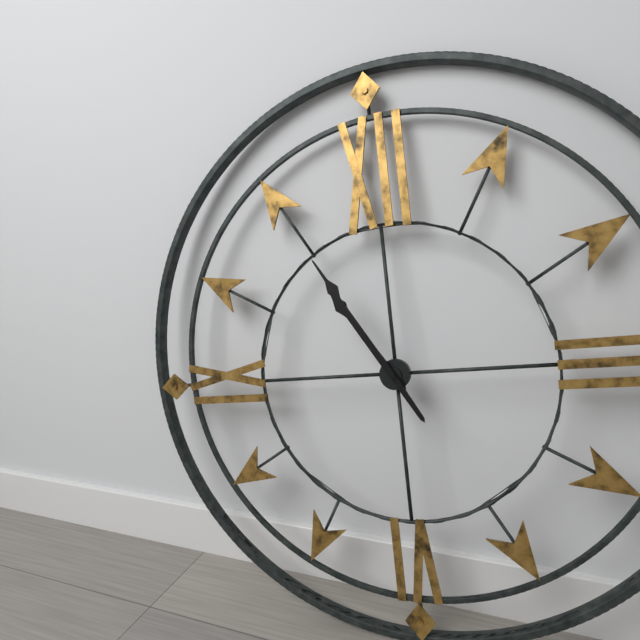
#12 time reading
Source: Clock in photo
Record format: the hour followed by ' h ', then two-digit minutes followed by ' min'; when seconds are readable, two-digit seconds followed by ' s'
10 h 55 min
